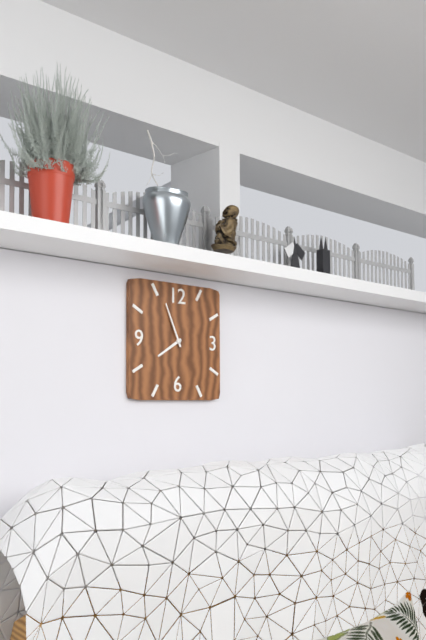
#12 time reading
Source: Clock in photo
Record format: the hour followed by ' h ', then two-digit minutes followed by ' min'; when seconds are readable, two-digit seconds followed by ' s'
7 h 56 min
